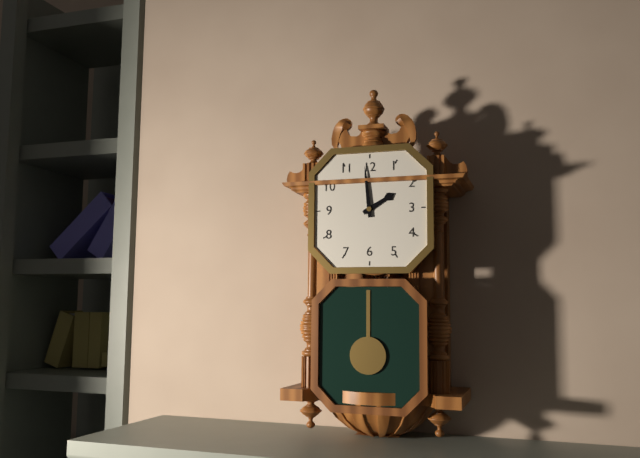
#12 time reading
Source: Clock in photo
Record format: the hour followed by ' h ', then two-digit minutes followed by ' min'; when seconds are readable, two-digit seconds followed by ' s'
1 h 59 min
